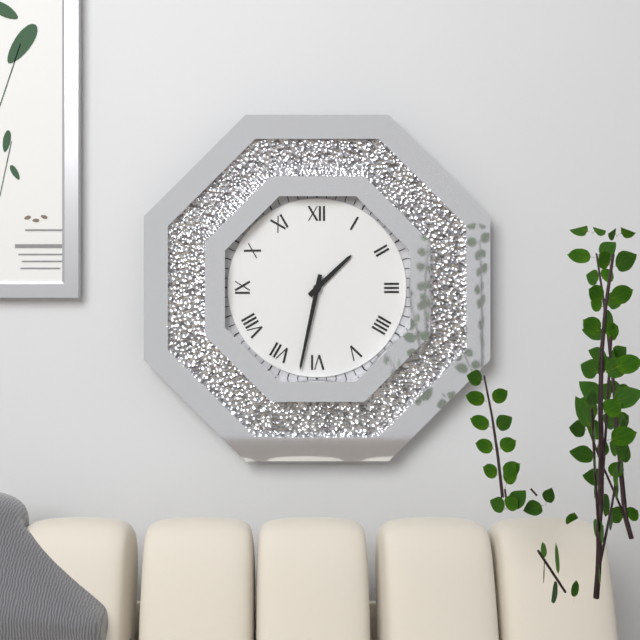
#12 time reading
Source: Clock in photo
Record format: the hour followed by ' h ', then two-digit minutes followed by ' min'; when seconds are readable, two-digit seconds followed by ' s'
1 h 32 min
